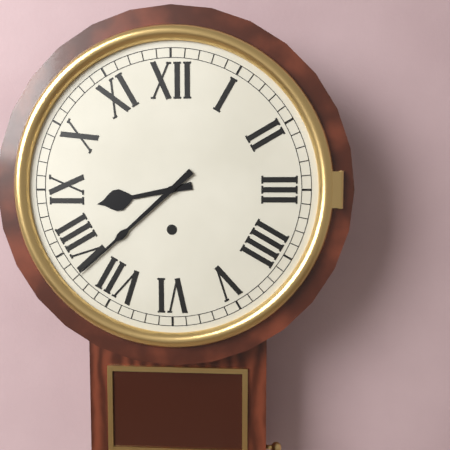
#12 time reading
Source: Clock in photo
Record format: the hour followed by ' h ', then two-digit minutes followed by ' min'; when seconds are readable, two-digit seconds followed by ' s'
8 h 38 min
